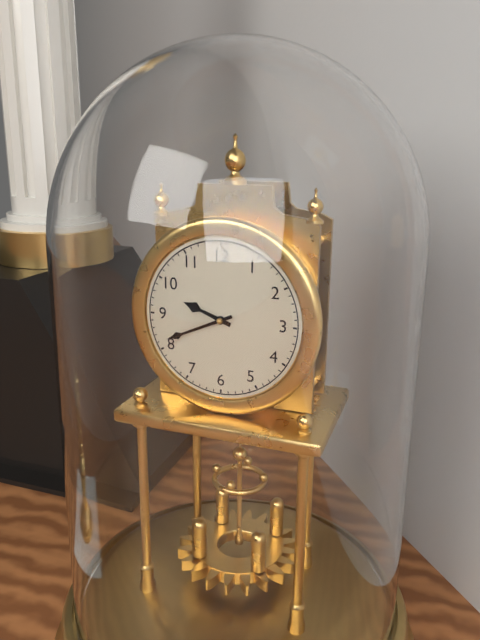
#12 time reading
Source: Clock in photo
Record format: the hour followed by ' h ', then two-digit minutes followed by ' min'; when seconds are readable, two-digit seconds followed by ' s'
9 h 41 min
